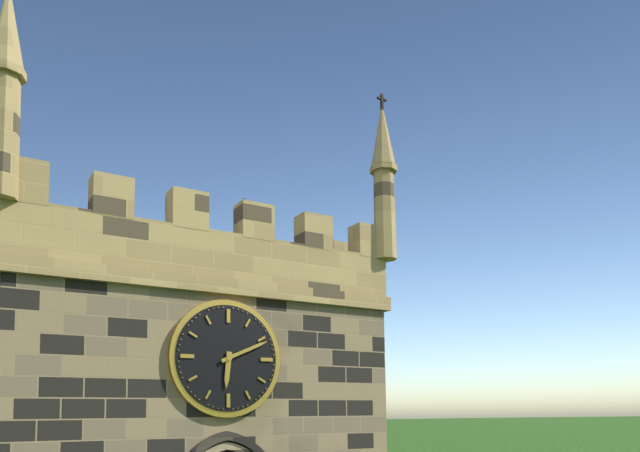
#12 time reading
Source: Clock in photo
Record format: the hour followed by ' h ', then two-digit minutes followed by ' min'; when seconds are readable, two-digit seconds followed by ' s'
6 h 11 min
